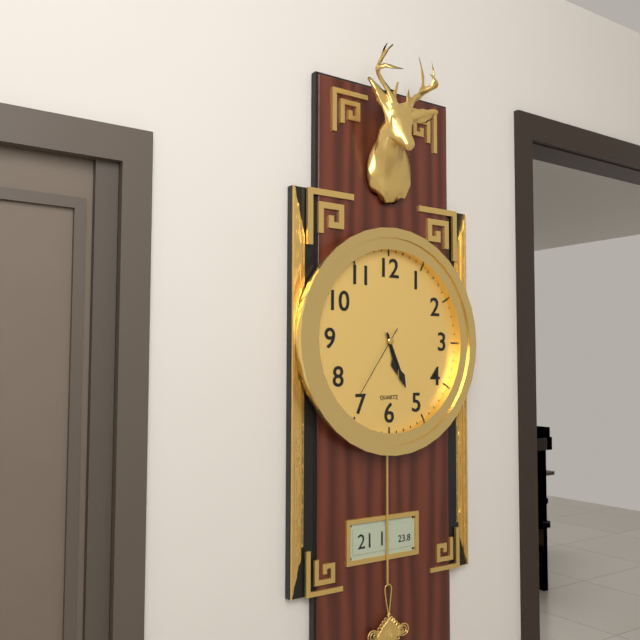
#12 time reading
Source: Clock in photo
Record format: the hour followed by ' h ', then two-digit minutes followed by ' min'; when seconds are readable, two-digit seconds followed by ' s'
5 h 26 min 36 s
